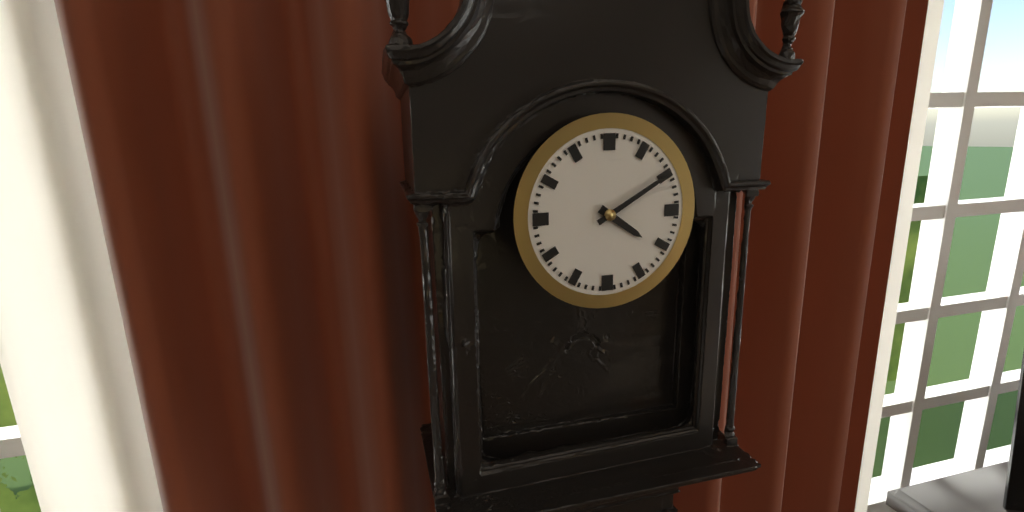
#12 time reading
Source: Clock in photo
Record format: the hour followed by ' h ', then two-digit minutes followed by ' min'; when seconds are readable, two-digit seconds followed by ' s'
4 h 10 min
